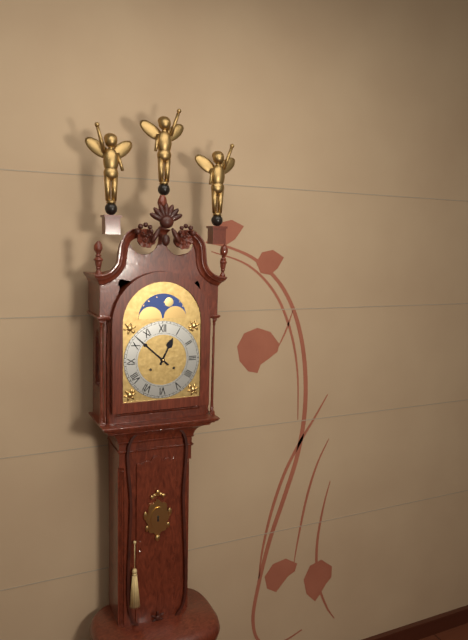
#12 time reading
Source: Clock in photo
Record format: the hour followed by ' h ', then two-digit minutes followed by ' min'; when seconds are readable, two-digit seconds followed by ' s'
12 h 52 min
